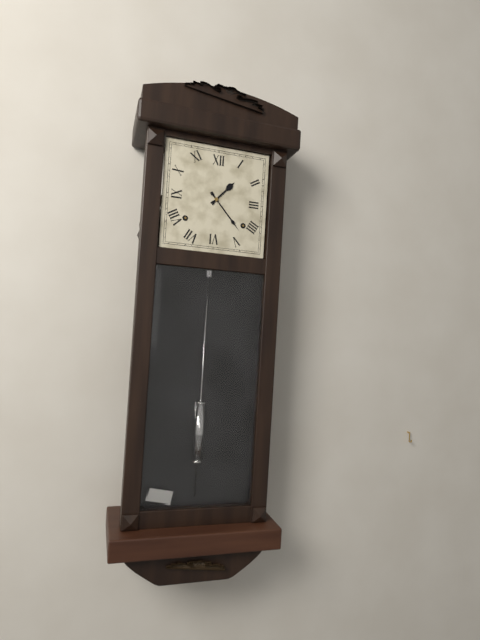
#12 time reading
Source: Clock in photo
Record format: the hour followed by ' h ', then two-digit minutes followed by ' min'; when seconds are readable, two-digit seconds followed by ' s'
1 h 23 min
